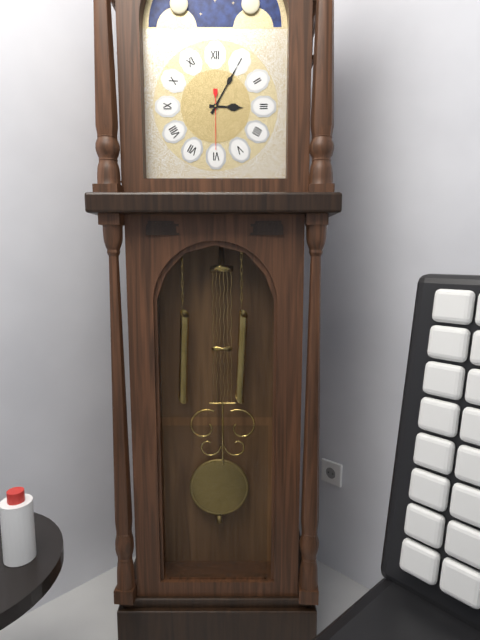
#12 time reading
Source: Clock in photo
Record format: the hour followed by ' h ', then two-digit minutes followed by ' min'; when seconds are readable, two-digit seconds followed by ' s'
3 h 05 min 30 s
